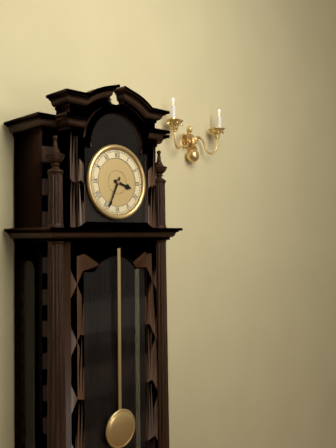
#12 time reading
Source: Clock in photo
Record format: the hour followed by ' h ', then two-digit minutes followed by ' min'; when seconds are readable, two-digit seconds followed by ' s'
3 h 34 min
